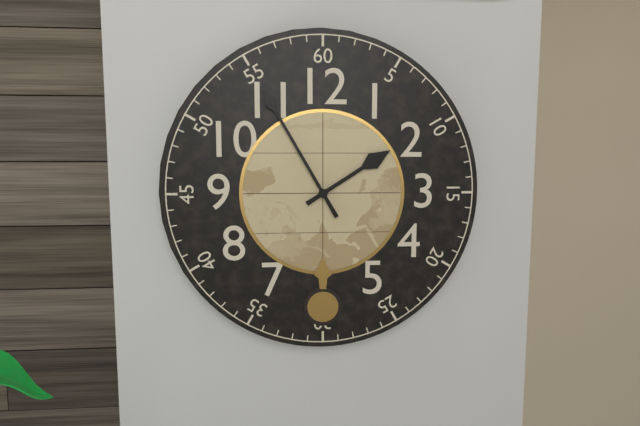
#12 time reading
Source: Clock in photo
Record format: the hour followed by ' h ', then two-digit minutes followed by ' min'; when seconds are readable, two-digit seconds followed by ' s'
1 h 55 min
